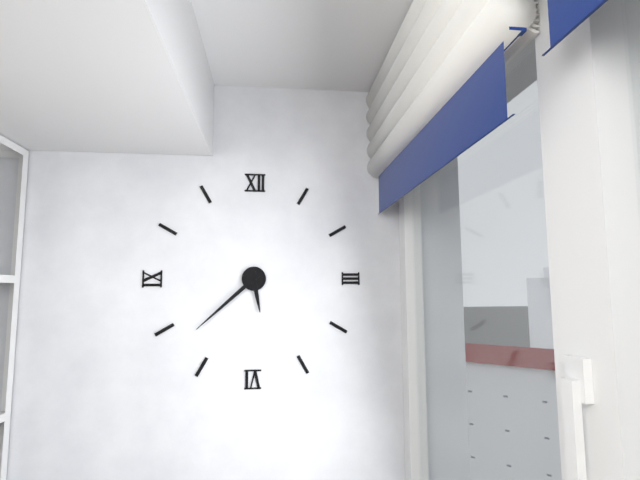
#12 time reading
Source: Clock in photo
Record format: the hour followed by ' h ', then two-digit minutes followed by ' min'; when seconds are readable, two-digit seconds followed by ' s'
5 h 38 min
